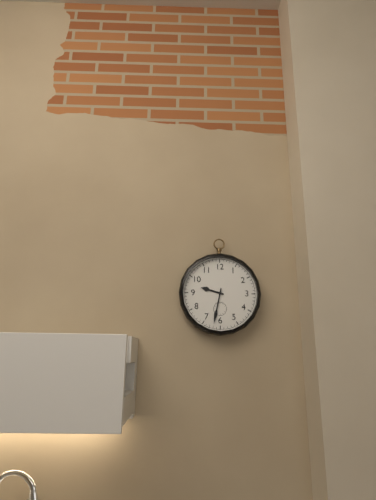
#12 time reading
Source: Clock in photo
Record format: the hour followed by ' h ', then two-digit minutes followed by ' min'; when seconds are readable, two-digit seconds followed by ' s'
9 h 32 min
